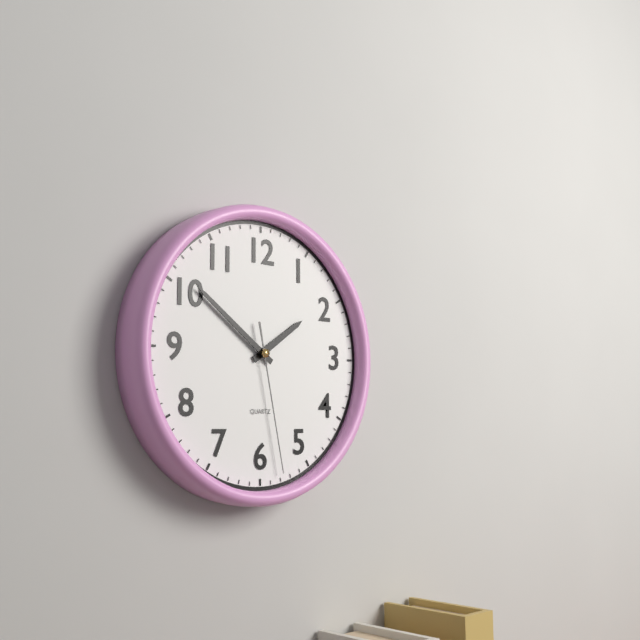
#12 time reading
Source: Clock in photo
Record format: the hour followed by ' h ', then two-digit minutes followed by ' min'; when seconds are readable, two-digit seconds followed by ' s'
1 h 51 min 28 s
